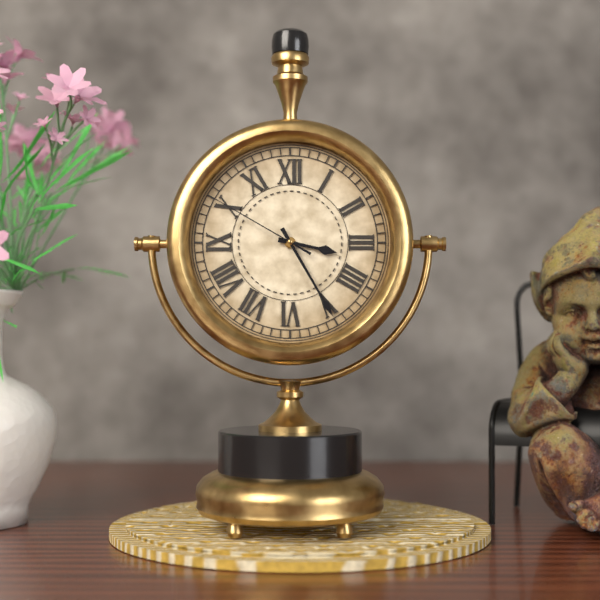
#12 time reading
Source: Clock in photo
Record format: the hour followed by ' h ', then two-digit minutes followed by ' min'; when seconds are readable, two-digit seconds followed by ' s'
3 h 25 min 50 s
